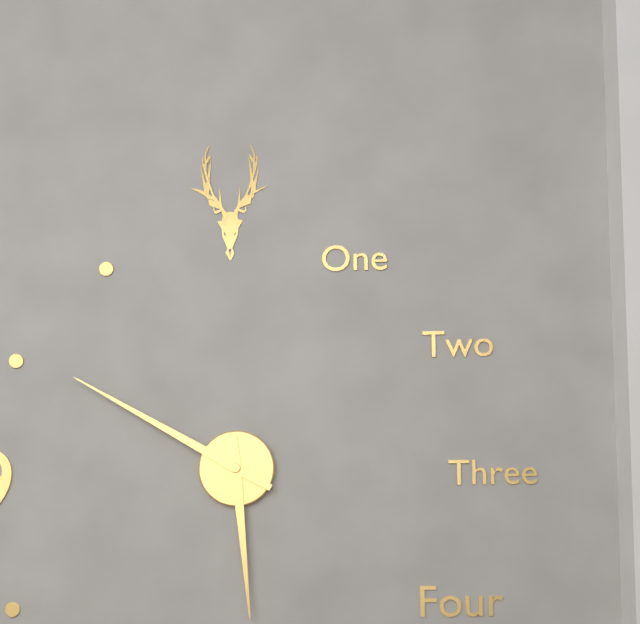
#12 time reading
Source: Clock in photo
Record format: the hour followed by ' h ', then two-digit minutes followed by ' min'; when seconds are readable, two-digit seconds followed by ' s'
5 h 50 min
